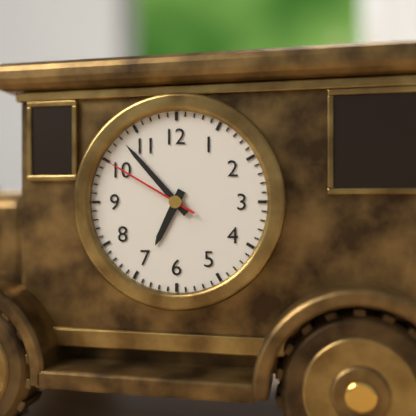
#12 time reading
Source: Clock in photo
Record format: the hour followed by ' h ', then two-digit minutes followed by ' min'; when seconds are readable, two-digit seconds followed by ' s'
6 h 53 min 50 s
